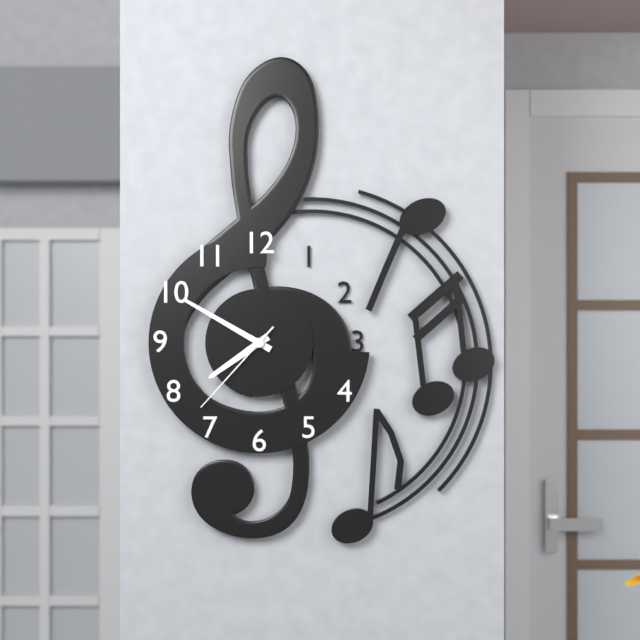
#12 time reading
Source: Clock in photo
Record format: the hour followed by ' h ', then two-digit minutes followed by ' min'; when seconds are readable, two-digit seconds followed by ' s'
7 h 50 min 37 s
